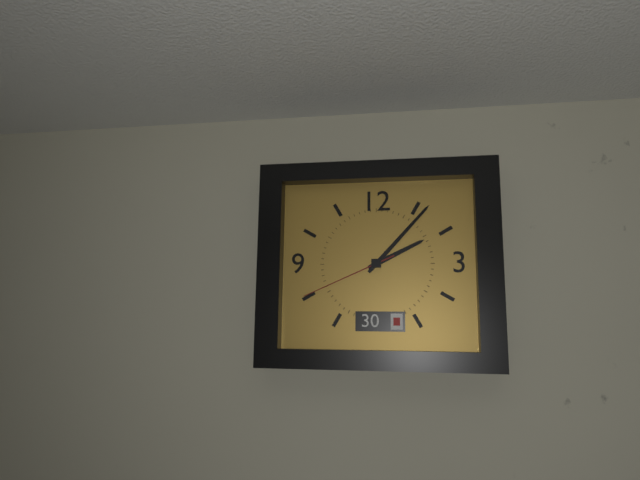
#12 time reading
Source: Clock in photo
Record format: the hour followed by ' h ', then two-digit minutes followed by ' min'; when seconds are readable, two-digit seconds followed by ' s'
2 h 07 min 41 s
